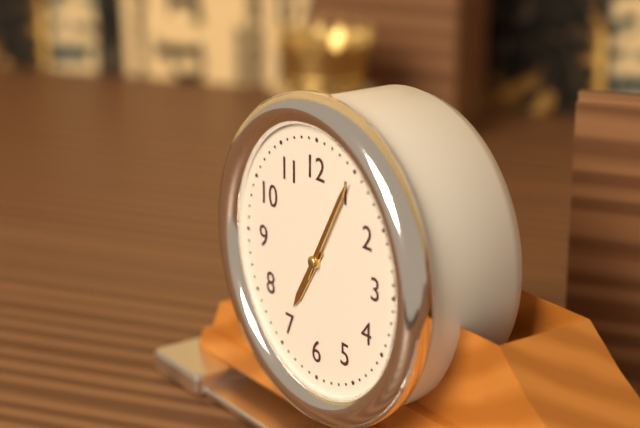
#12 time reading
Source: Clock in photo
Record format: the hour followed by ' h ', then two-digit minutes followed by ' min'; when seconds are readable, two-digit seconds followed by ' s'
7 h 05 min
